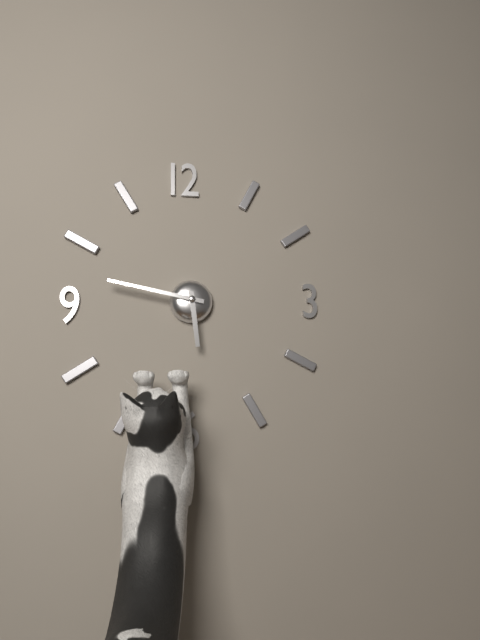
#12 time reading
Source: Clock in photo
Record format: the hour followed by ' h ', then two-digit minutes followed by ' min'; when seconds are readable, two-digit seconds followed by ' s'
5 h 47 min
